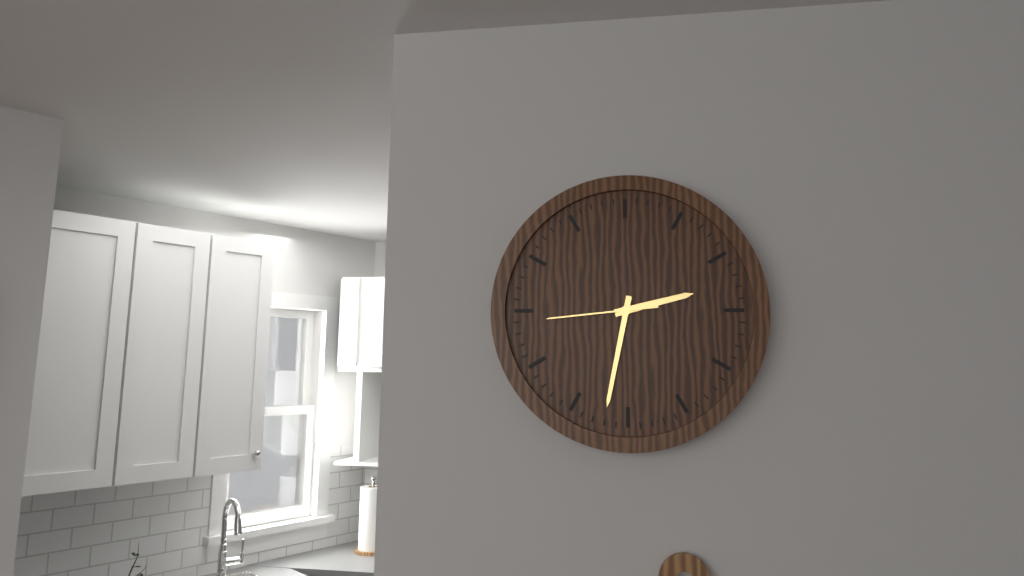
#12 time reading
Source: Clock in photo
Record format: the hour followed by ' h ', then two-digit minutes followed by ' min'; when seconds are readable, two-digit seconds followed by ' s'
2 h 32 min 44 s
